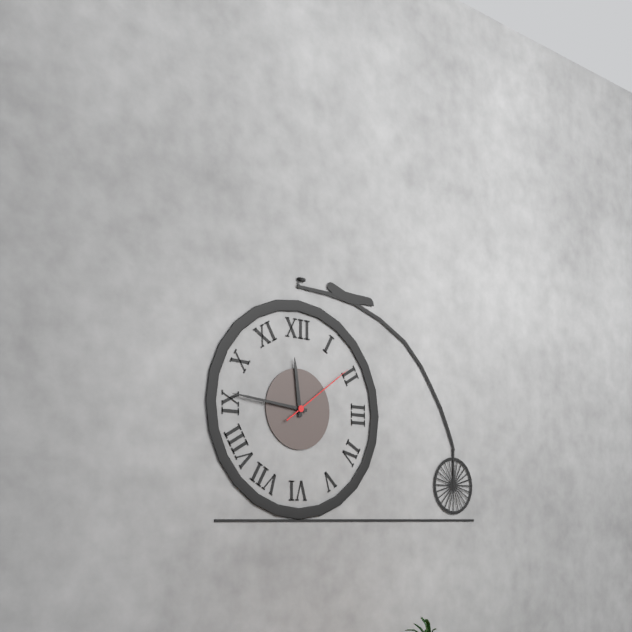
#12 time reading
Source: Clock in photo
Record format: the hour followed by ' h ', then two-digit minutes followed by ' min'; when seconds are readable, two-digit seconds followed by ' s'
11 h 46 min 09 s
